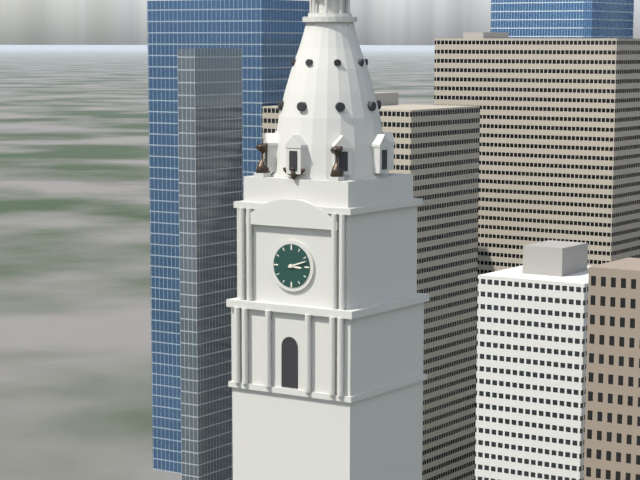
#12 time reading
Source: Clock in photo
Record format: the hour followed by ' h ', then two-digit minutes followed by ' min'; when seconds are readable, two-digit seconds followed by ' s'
3 h 12 min
